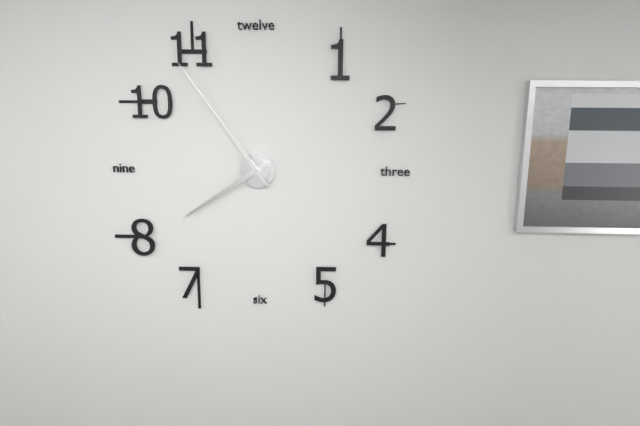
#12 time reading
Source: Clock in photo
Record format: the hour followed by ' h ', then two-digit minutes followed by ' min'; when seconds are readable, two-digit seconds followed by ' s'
7 h 54 min
